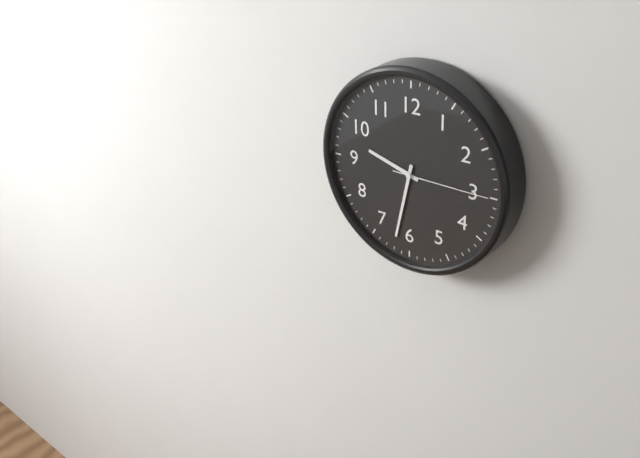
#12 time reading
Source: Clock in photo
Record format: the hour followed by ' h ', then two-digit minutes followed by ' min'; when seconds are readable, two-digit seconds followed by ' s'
9 h 32 min 15 s
